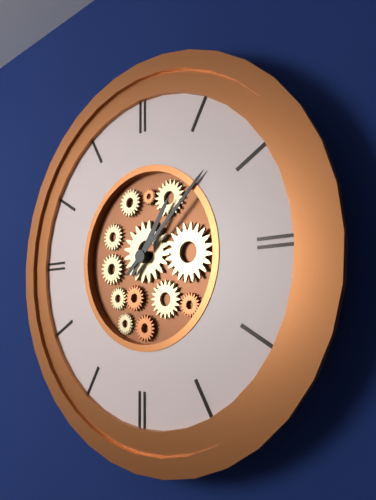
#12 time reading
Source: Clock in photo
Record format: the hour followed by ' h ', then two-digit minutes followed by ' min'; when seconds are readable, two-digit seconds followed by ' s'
1 h 08 min
